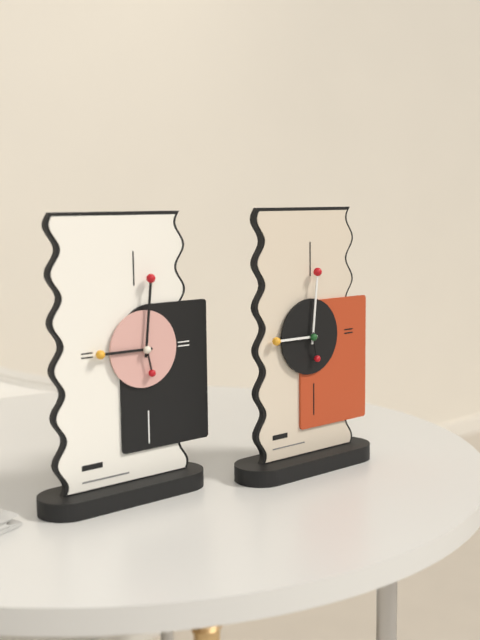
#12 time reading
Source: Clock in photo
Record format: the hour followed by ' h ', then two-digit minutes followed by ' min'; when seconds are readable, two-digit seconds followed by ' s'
9 h 01 min
